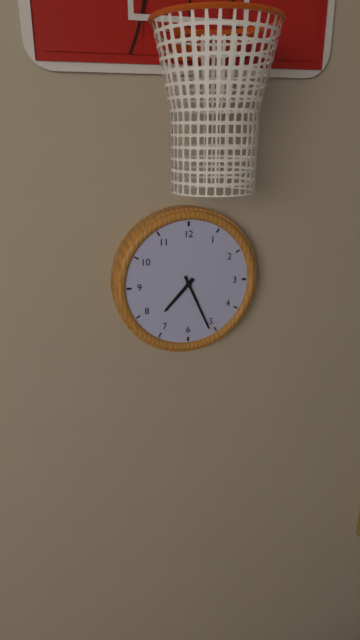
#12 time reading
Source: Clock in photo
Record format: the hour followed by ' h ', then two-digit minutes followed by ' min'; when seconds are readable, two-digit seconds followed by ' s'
7 h 26 min
